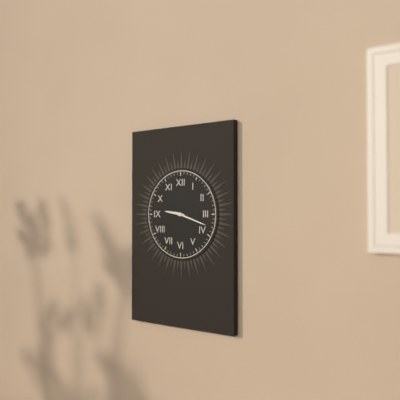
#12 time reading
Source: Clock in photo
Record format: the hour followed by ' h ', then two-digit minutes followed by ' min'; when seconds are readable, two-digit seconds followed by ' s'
9 h 18 min
